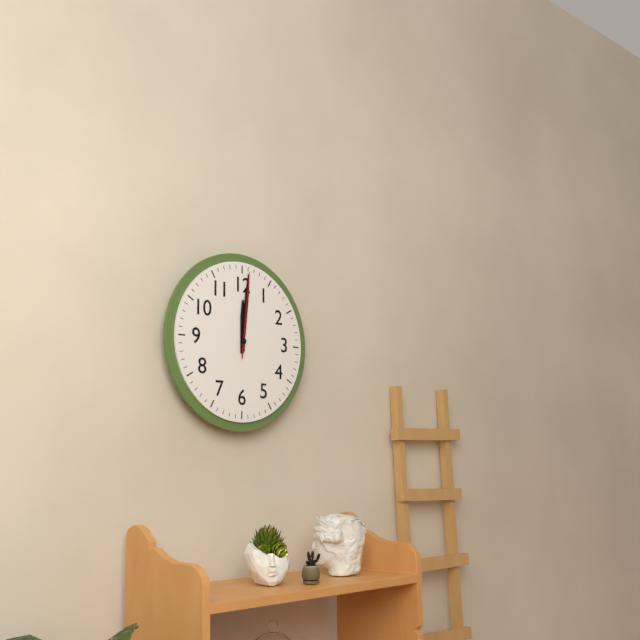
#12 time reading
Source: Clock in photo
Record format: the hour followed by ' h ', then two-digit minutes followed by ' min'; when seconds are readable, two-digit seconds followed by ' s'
12 h 01 min 01 s
